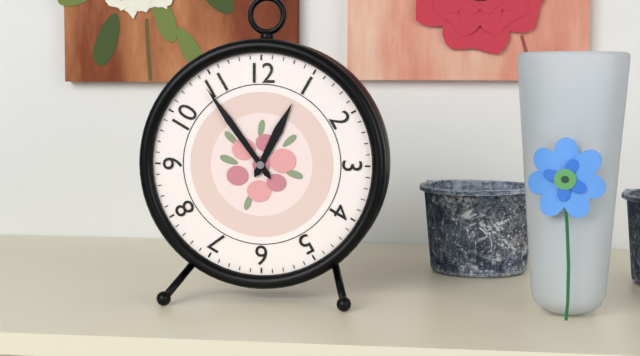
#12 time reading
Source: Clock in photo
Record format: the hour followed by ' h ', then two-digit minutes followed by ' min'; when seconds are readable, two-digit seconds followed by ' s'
12 h 54 min
